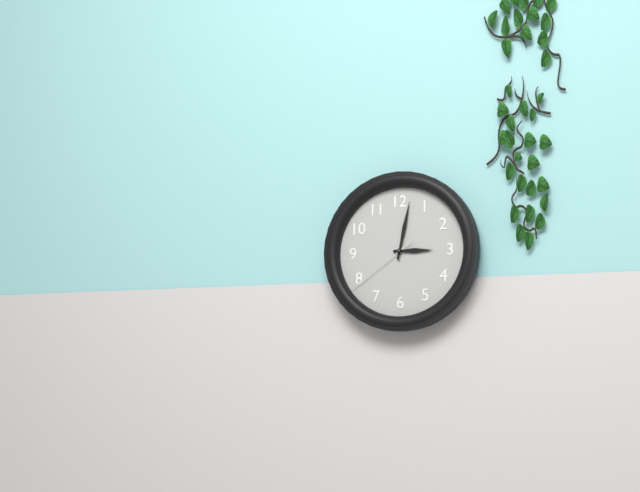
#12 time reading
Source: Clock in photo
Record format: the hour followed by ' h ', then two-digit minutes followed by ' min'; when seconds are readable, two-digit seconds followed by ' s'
3 h 02 min 39 s
